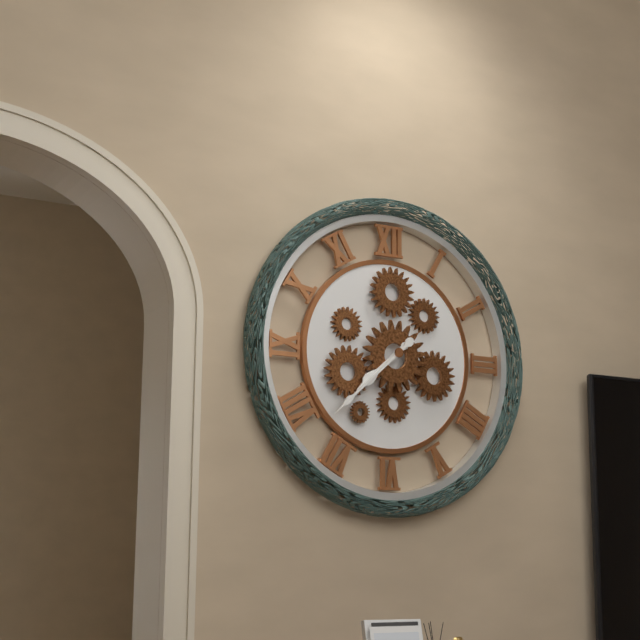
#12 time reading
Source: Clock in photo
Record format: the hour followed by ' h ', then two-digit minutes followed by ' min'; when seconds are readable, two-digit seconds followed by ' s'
7 h 38 min
